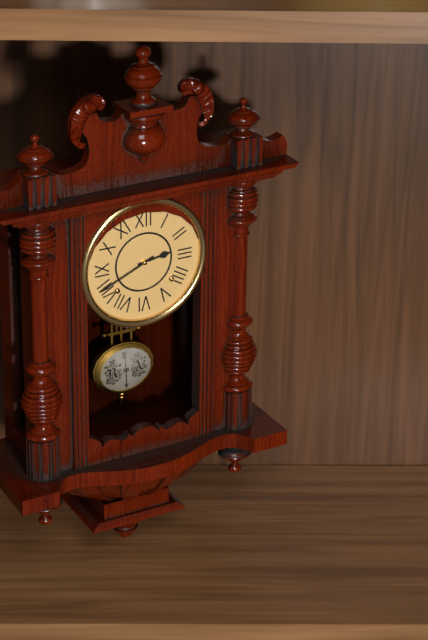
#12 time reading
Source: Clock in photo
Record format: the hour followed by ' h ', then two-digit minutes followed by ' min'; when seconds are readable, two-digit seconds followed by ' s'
2 h 41 min
